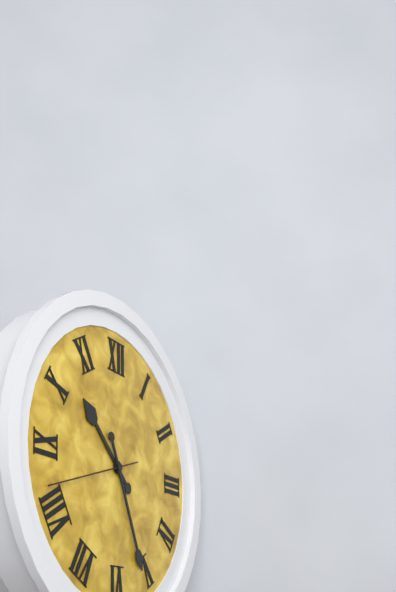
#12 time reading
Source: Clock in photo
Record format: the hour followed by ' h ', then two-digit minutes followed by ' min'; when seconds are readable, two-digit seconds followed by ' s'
10 h 26 min 42 s
